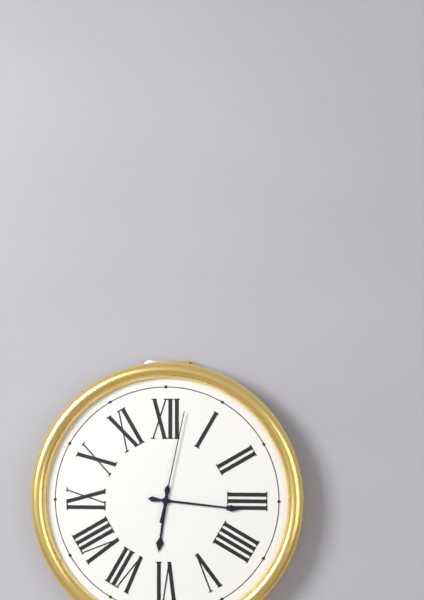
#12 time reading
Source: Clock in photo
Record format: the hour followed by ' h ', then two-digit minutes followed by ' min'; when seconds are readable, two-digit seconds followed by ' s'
6 h 16 min 02 s
